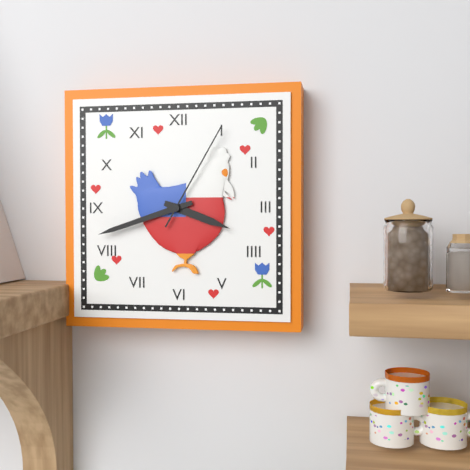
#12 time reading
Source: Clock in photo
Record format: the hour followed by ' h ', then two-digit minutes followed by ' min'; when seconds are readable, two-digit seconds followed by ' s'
3 h 42 min 05 s
